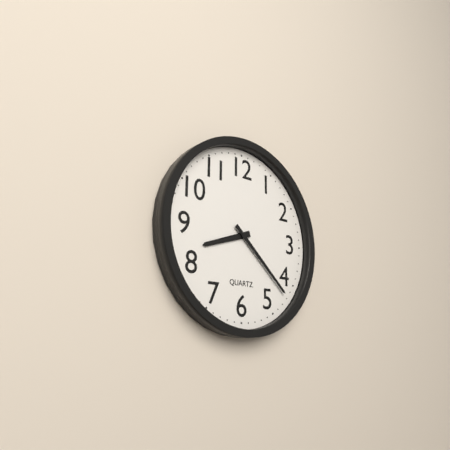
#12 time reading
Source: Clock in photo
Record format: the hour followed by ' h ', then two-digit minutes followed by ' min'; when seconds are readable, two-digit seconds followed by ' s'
8 h 22 min
